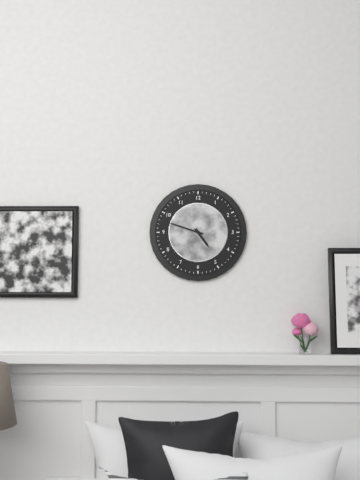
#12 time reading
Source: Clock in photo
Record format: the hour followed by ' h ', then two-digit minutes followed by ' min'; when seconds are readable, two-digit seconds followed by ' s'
4 h 48 min
